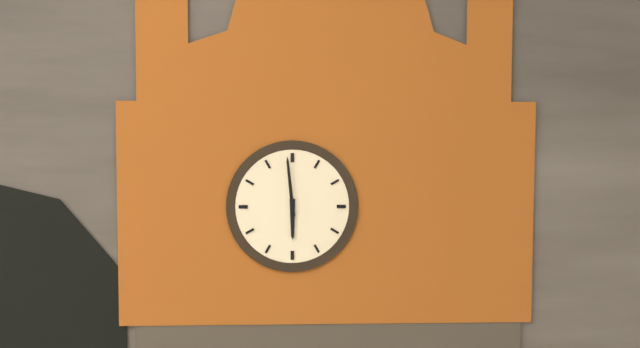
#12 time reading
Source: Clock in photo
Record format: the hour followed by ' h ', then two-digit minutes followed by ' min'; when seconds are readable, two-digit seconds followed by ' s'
5 h 59 min
